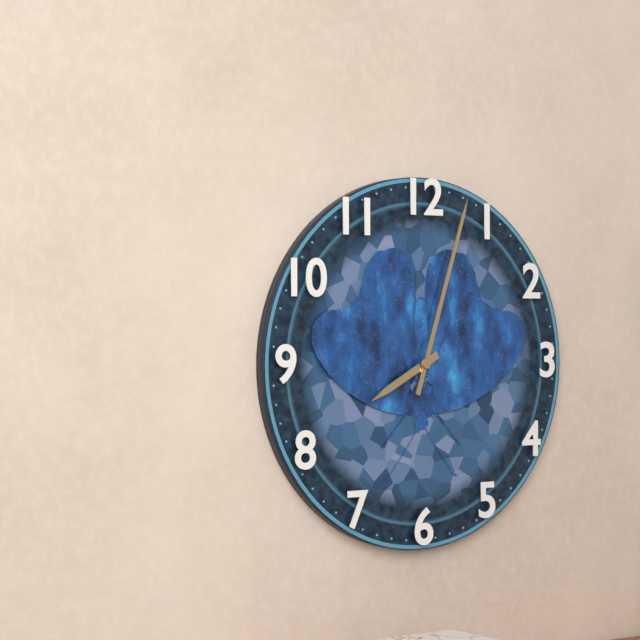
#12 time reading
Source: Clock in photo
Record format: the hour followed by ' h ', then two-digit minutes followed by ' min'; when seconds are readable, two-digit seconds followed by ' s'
8 h 03 min
